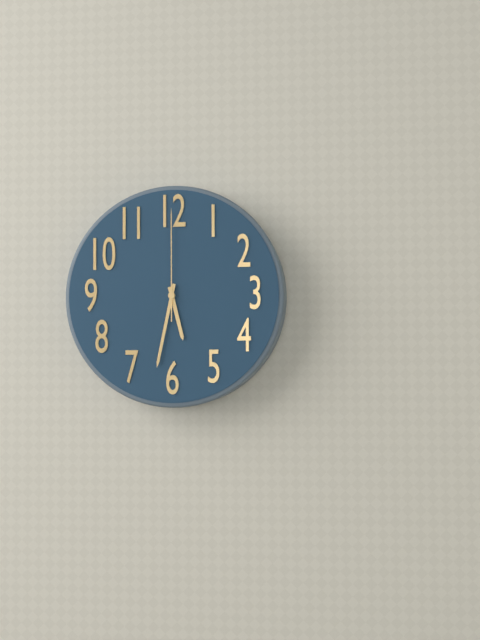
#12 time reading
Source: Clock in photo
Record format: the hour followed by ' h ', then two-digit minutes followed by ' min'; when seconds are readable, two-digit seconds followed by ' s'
5 h 32 min 00 s
